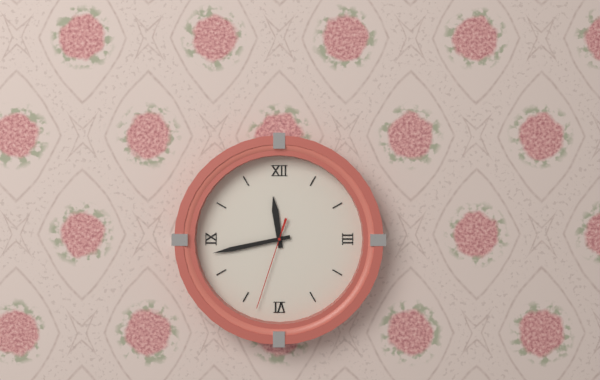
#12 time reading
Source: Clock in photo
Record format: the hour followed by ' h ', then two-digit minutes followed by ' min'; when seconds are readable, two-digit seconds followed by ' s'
11 h 43 min 33 s
